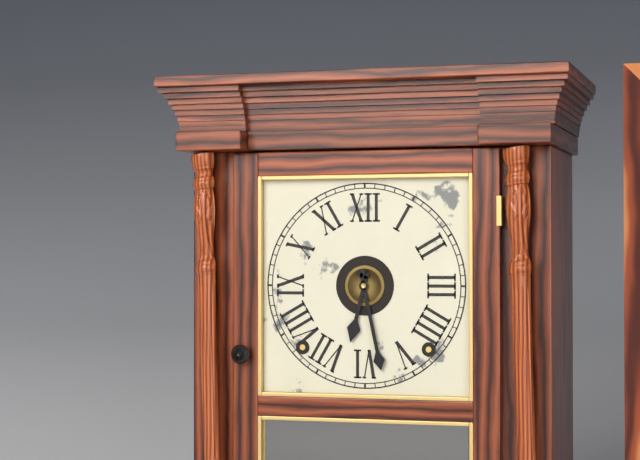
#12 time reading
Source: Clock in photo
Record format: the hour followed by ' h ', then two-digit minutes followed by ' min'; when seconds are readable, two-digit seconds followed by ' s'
6 h 28 min
